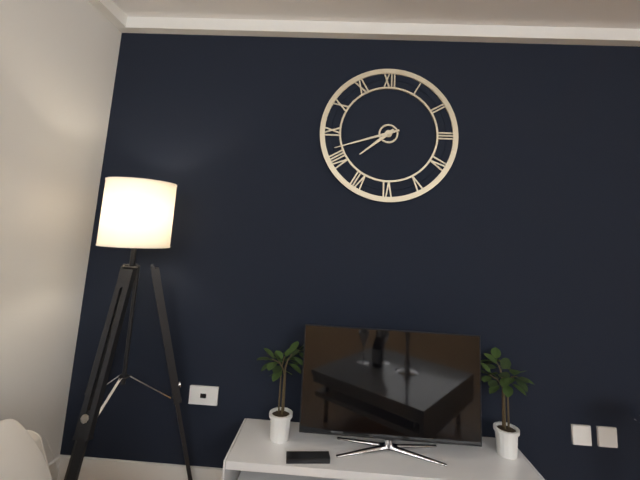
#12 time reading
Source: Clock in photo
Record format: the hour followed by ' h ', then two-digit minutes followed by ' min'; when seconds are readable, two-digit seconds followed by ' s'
7 h 42 min
